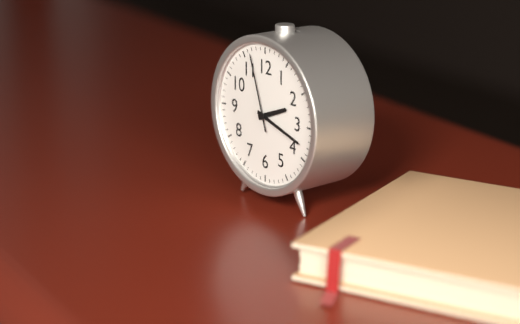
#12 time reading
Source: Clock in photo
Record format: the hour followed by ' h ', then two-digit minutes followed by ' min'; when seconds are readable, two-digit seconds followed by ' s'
2 h 18 min 57 s
